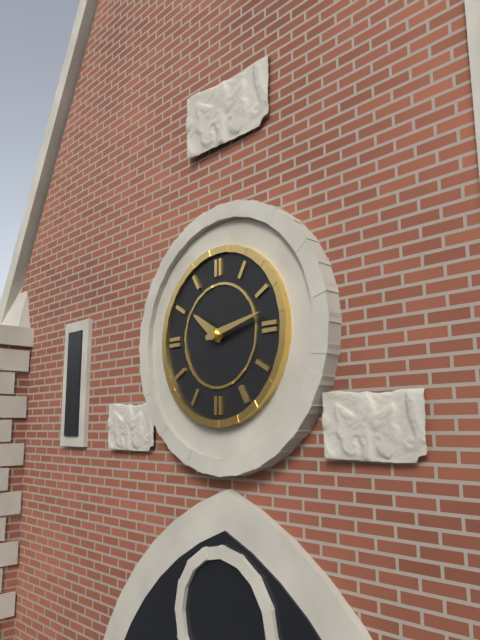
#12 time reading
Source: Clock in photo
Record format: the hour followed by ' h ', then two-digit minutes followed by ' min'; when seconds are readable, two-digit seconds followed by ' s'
10 h 13 min
